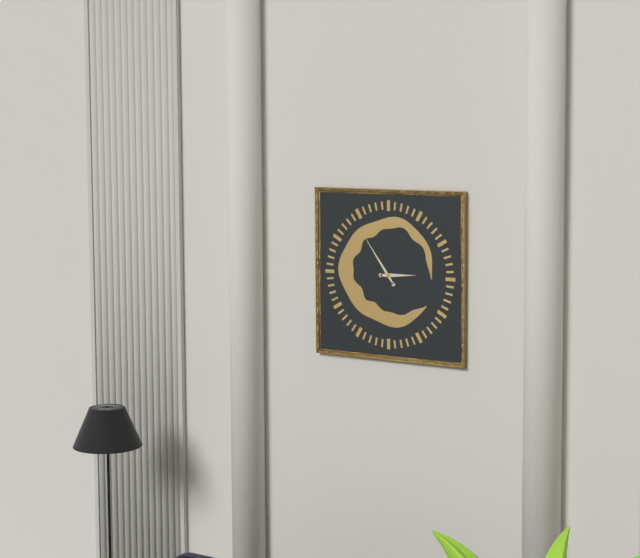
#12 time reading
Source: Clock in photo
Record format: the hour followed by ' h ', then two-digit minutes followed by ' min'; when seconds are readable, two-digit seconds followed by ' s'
2 h 54 min
